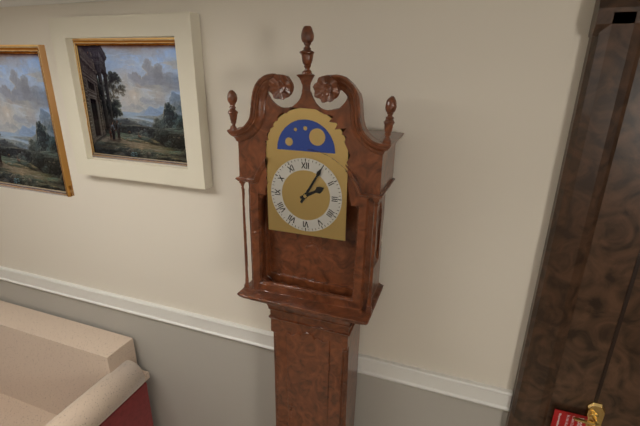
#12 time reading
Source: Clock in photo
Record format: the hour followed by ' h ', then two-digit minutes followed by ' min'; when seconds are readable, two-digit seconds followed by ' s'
2 h 05 min
